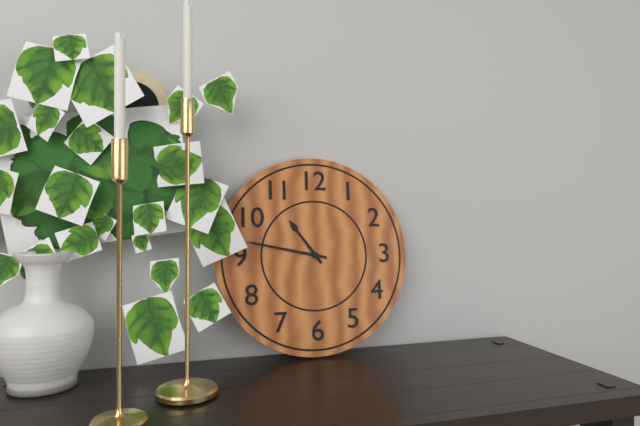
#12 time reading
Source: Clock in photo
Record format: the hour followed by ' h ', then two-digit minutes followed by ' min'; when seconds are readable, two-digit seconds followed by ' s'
10 h 47 min
